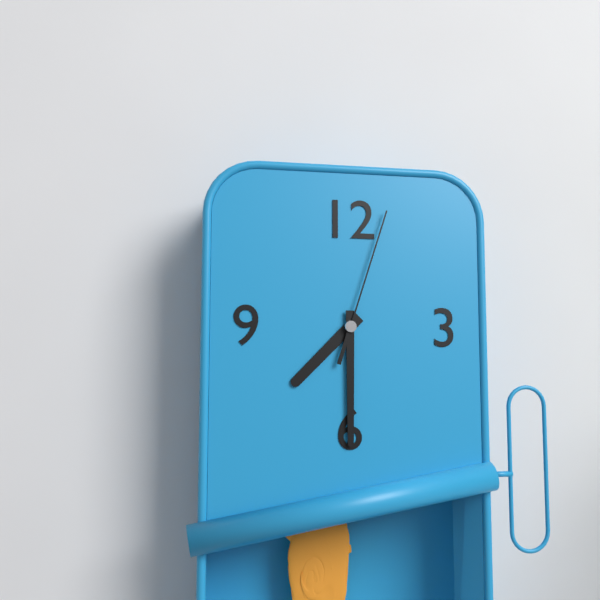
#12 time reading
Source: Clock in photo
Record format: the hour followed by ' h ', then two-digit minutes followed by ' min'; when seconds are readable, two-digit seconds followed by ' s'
7 h 30 min 03 s
